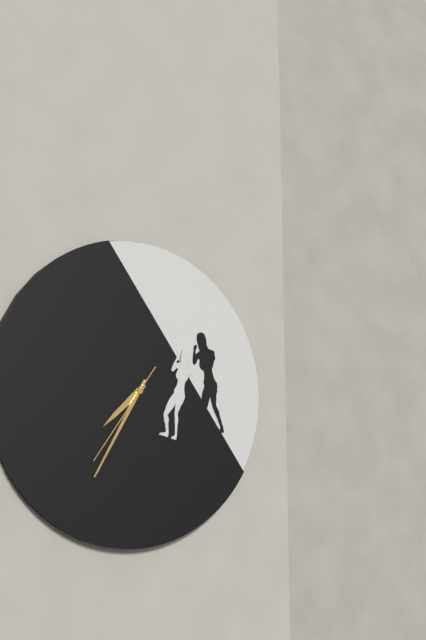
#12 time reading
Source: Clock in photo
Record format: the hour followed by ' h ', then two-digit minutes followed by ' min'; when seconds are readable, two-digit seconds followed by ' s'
7 h 35 min 36 s
